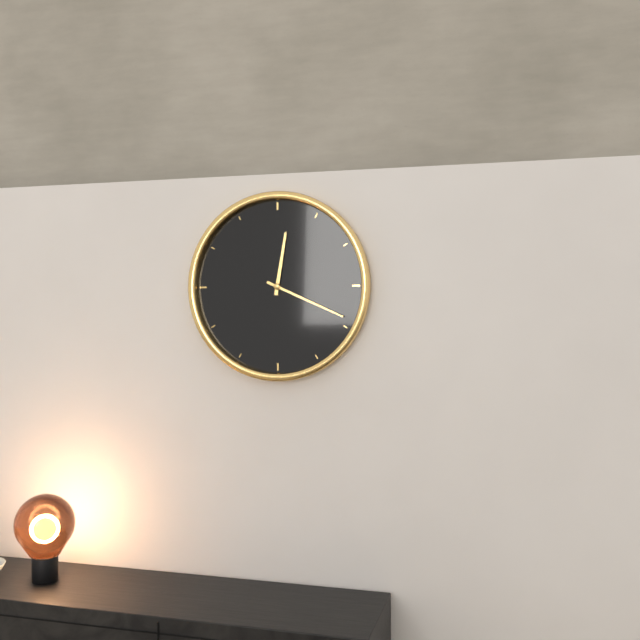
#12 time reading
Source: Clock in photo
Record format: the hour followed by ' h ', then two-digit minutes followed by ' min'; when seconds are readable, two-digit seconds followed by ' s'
12 h 19 min
